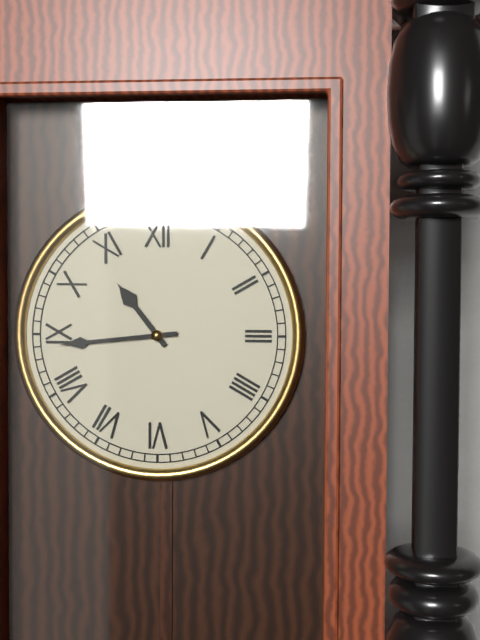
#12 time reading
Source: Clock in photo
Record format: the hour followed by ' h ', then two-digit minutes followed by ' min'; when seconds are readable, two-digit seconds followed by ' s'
10 h 44 min
